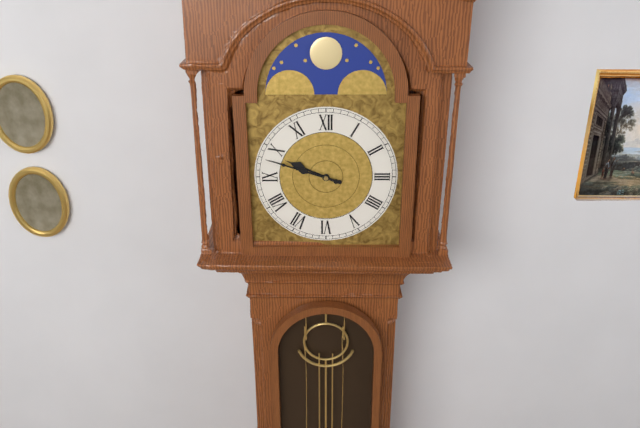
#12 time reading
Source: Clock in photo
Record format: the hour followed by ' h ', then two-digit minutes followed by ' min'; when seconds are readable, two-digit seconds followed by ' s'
9 h 48 min
